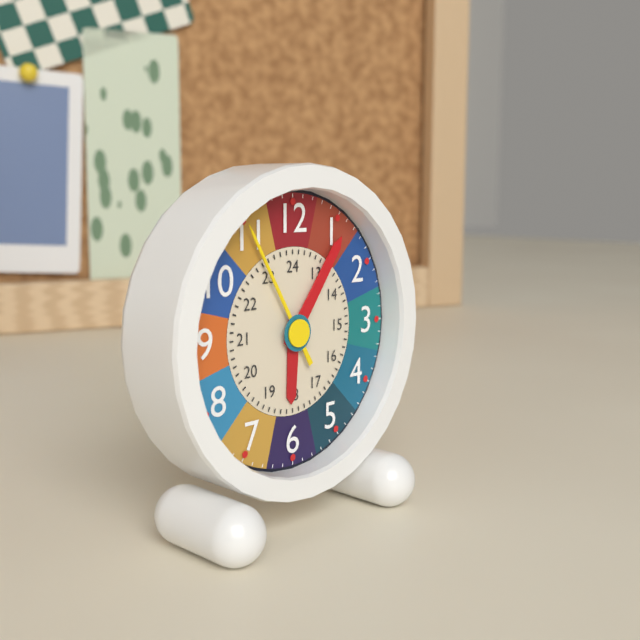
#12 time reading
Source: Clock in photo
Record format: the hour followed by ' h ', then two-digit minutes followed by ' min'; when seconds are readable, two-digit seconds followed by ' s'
6 h 06 min 55 s
